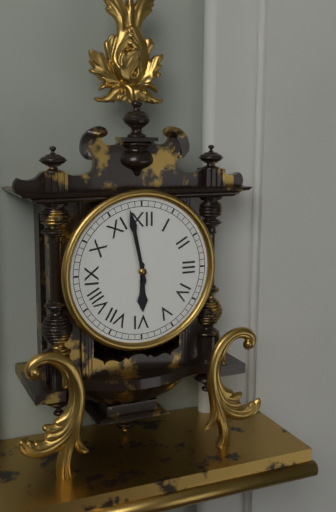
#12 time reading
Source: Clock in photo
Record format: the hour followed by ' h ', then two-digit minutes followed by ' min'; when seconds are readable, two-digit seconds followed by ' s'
5 h 58 min
